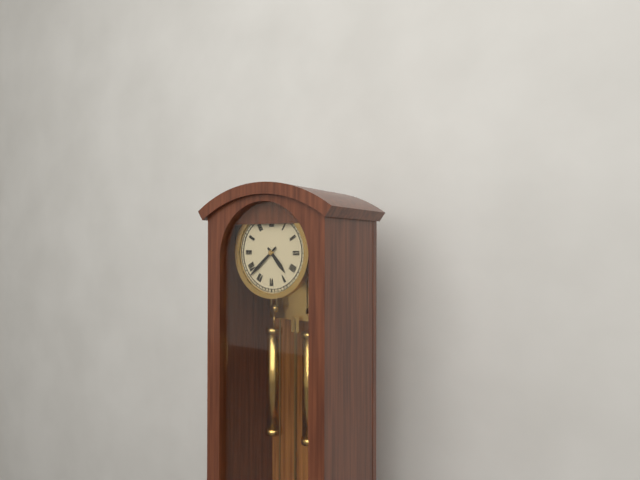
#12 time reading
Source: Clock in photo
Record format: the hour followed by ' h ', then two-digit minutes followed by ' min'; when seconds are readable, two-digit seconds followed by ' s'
4 h 38 min
